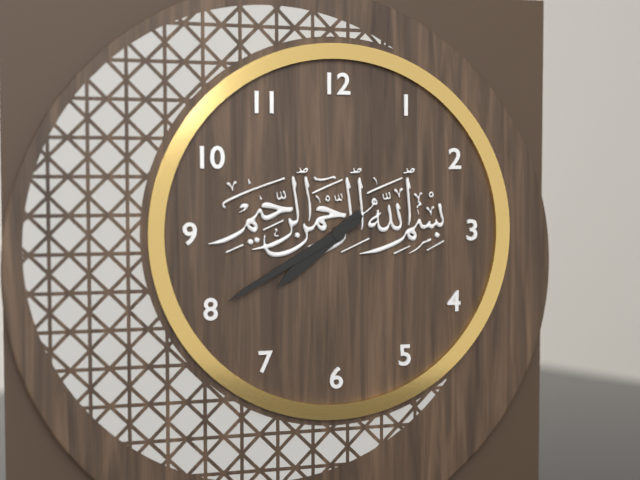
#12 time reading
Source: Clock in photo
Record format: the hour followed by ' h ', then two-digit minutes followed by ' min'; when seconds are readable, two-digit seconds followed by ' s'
7 h 40 min
